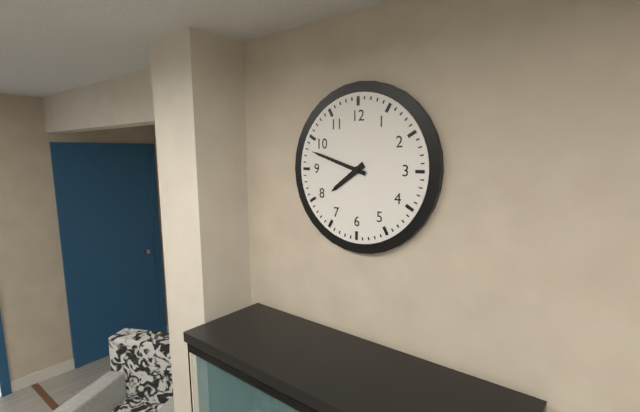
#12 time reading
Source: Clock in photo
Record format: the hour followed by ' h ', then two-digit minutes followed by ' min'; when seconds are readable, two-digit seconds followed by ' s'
7 h 48 min
